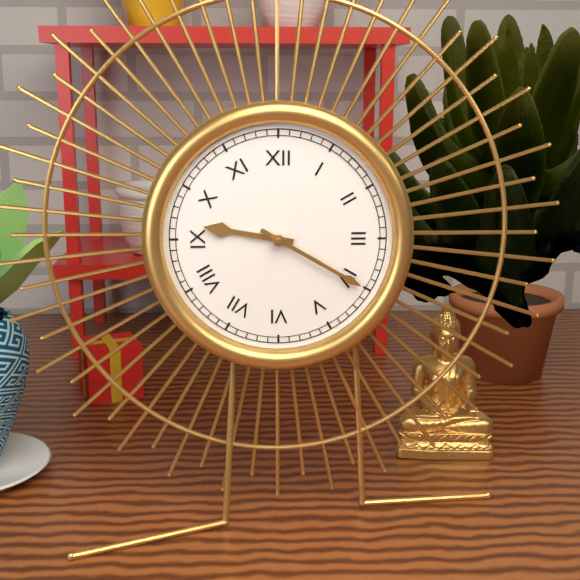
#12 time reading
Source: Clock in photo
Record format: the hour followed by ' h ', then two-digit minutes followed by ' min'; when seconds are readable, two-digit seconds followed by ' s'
9 h 20 min
